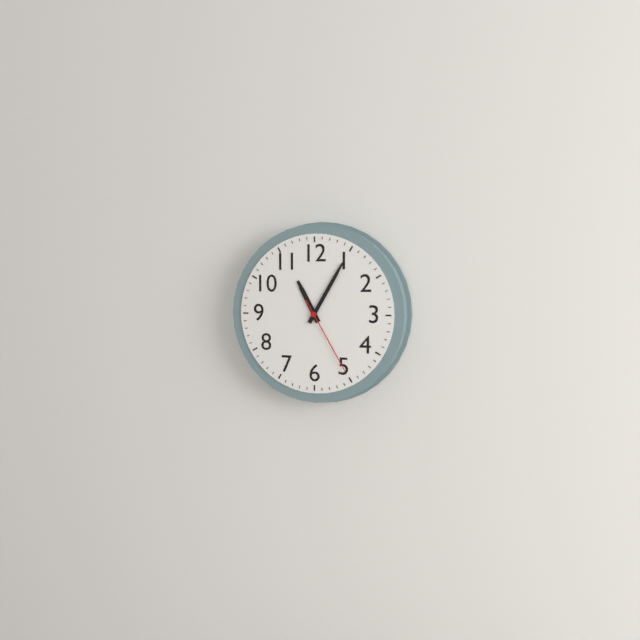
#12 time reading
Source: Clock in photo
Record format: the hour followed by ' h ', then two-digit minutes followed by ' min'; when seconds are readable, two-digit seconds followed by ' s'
11 h 05 min 25 s
